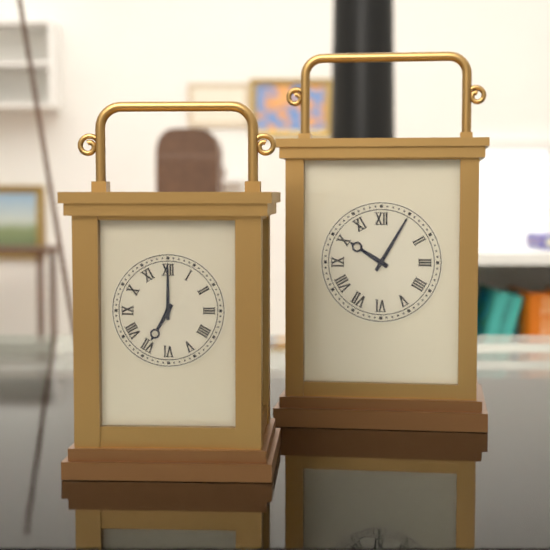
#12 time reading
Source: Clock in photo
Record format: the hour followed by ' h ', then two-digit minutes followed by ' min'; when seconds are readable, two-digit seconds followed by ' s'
10 h 05 min
